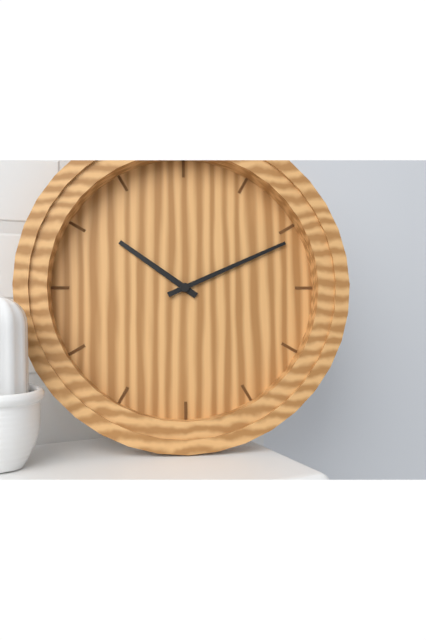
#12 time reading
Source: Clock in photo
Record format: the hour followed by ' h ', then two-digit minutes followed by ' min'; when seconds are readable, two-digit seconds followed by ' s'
10 h 11 min
